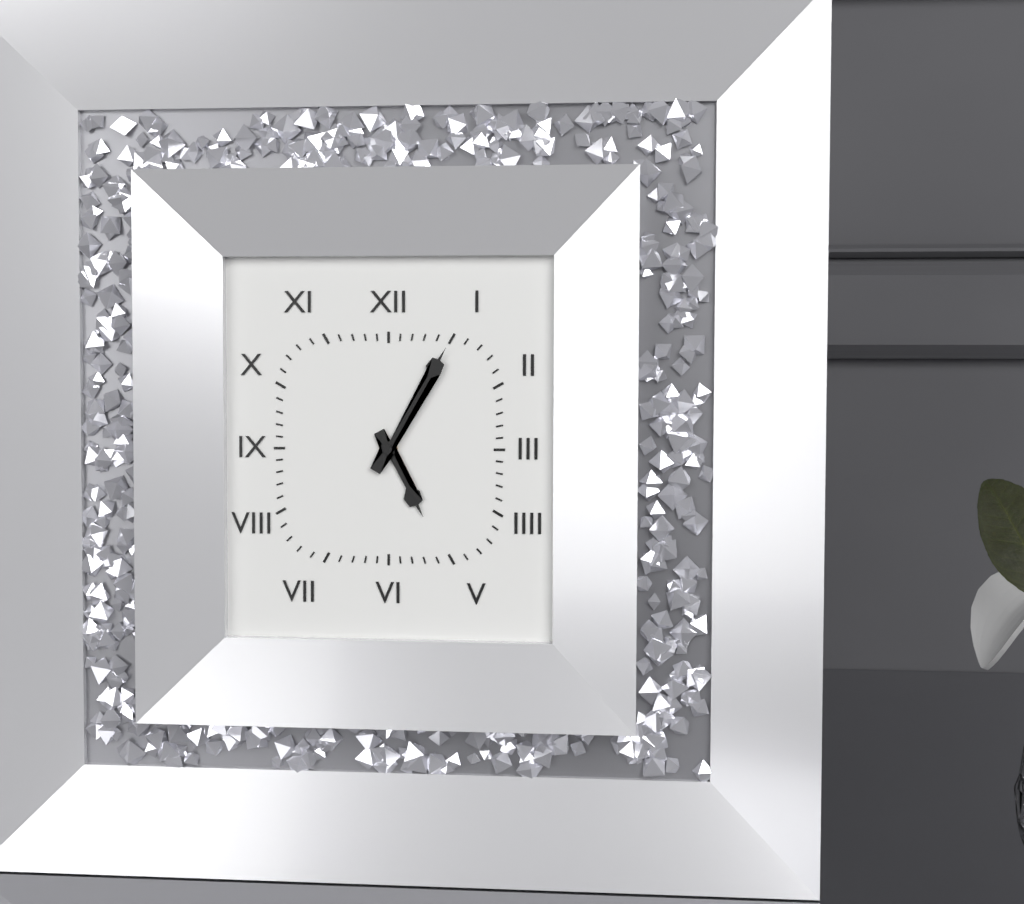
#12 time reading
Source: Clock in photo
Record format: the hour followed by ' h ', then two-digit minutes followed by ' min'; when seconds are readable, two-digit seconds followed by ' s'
5 h 05 min
